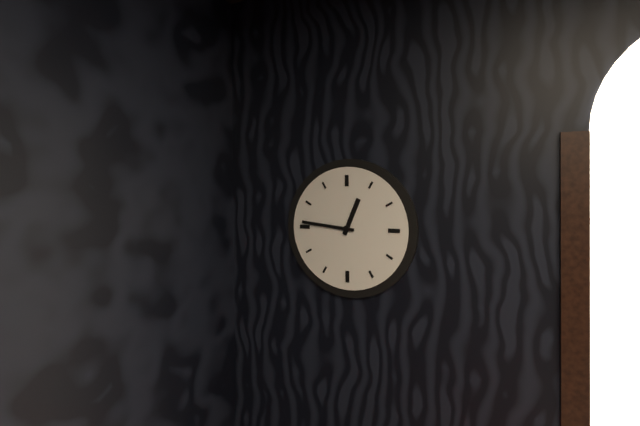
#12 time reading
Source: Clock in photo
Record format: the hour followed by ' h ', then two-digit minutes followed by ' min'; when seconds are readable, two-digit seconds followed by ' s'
12 h 46 min
